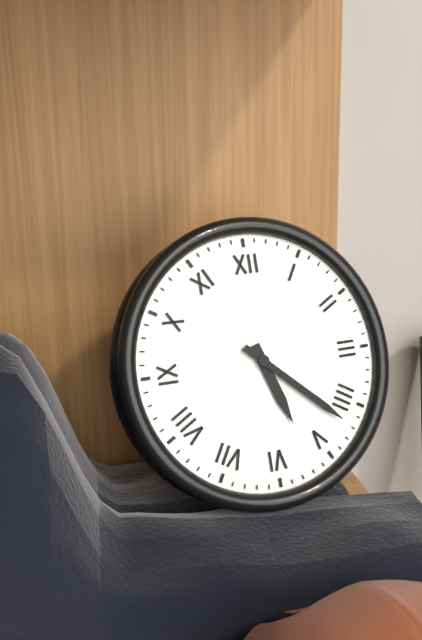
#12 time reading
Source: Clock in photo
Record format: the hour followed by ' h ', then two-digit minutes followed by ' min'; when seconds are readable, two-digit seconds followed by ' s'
5 h 22 min
